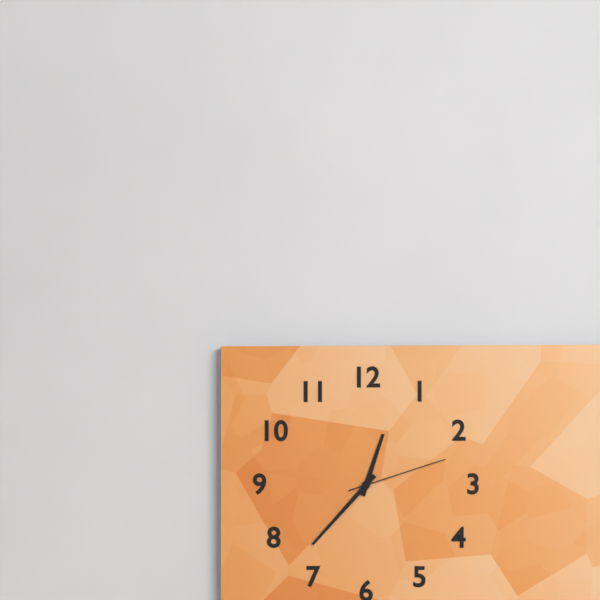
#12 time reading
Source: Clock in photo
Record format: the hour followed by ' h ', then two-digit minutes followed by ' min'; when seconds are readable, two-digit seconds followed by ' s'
12 h 37 min 12 s
